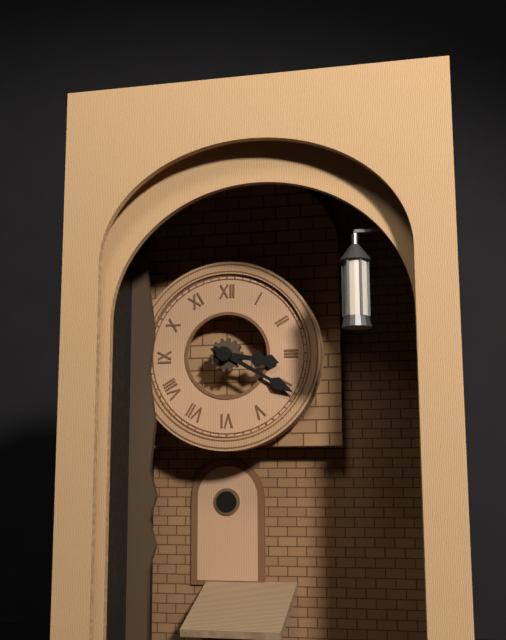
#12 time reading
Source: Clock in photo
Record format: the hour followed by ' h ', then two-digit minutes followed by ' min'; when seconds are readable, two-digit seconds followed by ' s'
3 h 20 min
